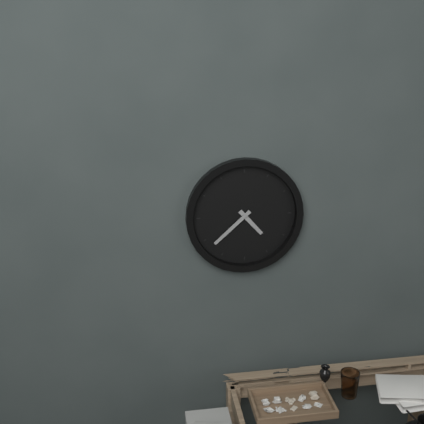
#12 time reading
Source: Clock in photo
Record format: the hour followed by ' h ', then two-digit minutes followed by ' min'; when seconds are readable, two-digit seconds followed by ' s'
4 h 38 min
